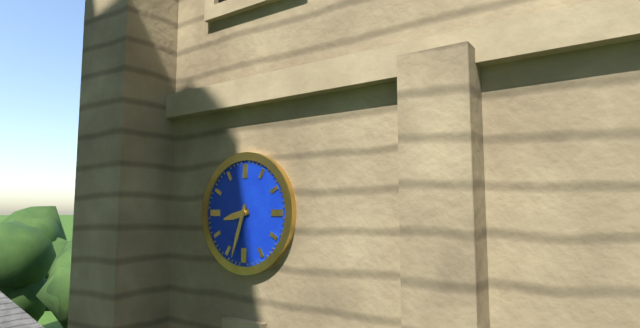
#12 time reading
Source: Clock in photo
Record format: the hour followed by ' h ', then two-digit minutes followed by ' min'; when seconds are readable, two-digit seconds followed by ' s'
8 h 33 min
